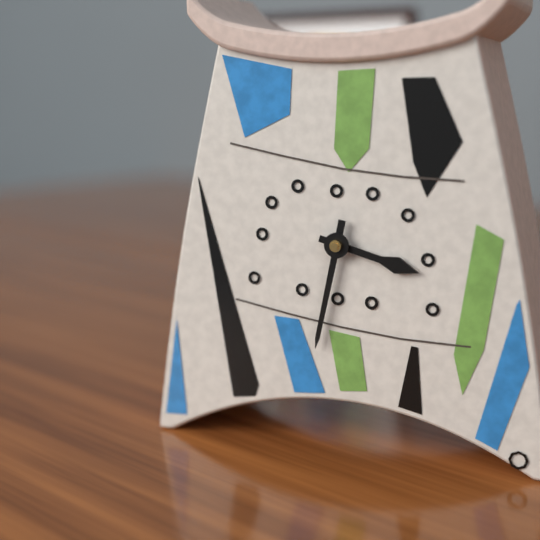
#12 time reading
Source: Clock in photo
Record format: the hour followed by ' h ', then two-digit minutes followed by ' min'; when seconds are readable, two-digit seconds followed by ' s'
3 h 32 min
